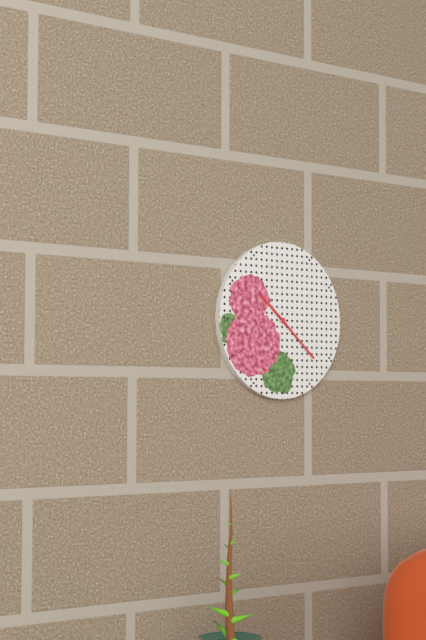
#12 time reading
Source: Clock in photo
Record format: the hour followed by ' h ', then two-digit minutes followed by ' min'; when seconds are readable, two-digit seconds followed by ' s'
10 h 22 min
